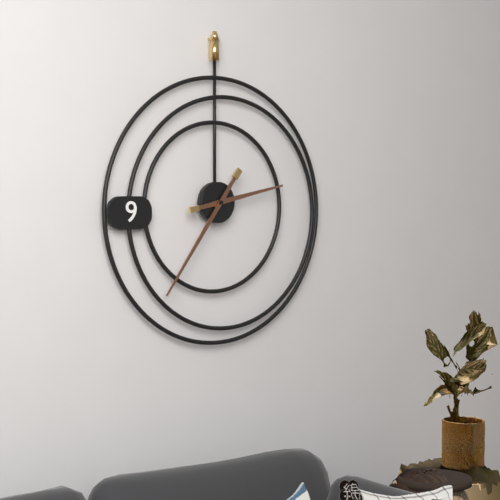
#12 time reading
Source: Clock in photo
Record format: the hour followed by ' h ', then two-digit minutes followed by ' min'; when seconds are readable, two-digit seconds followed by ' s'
2 h 36 min
